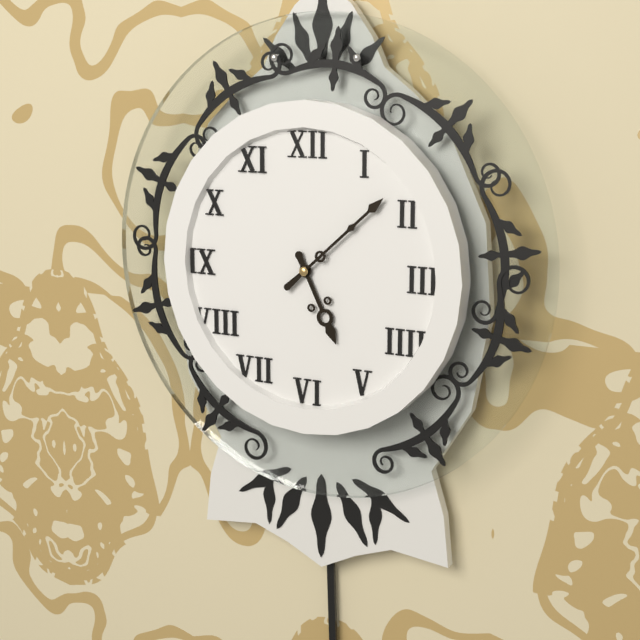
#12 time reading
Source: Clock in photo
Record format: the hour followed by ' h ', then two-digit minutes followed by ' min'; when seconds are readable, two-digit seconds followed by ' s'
5 h 08 min
